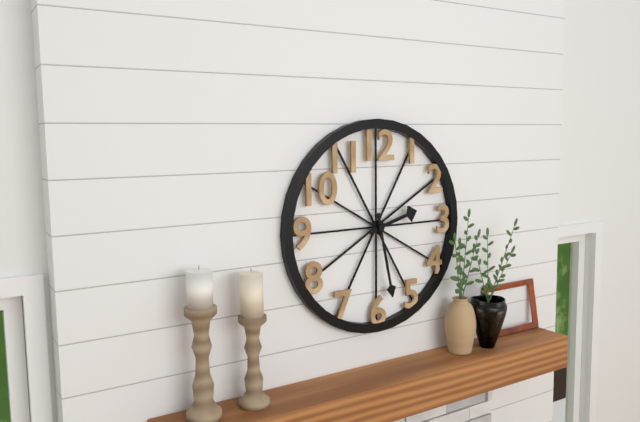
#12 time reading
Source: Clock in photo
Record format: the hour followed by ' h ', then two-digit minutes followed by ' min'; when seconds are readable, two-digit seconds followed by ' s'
2 h 28 min
